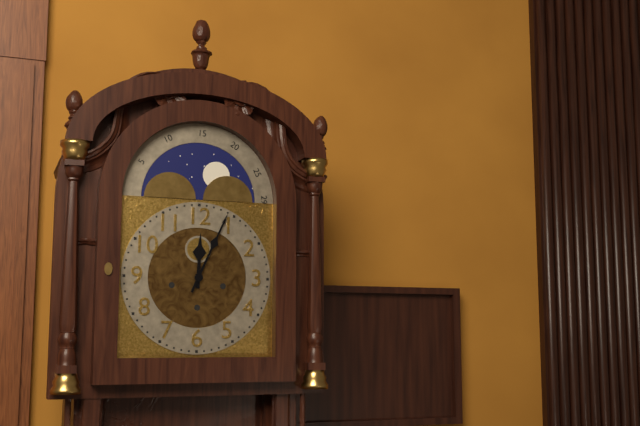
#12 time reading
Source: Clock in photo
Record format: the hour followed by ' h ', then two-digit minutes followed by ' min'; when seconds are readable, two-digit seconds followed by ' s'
12 h 04 min
